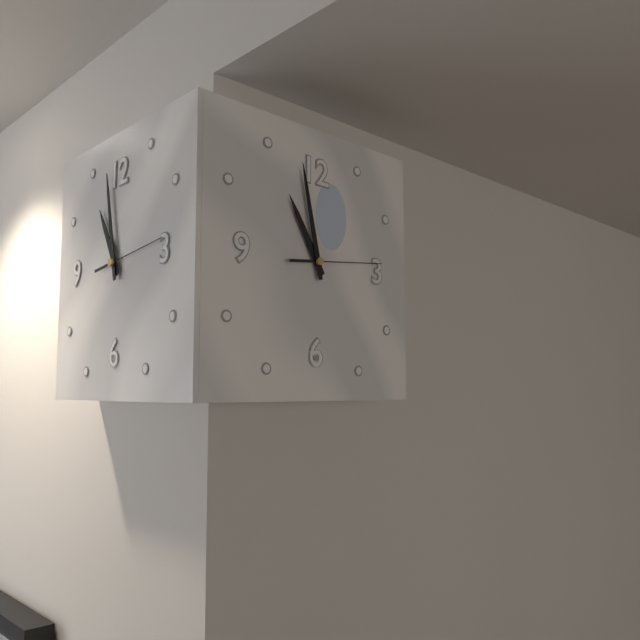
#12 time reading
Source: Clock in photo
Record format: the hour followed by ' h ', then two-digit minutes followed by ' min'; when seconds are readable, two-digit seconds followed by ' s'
10 h 58 min 14 s
